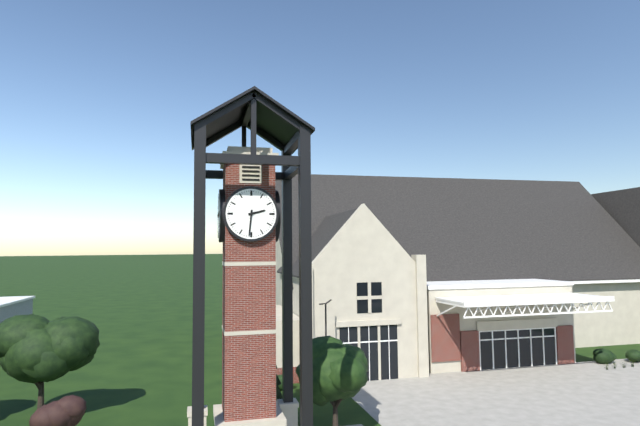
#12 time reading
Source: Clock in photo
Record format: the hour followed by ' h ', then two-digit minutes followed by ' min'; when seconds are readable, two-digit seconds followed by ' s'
2 h 31 min
